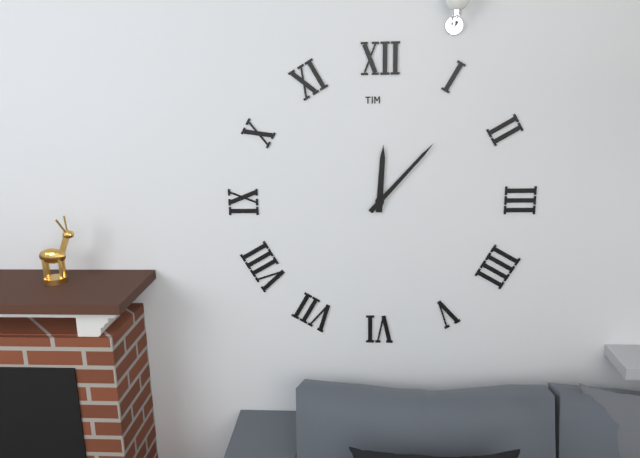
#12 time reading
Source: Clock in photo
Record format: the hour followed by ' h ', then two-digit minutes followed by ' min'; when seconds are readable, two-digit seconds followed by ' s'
12 h 07 min
